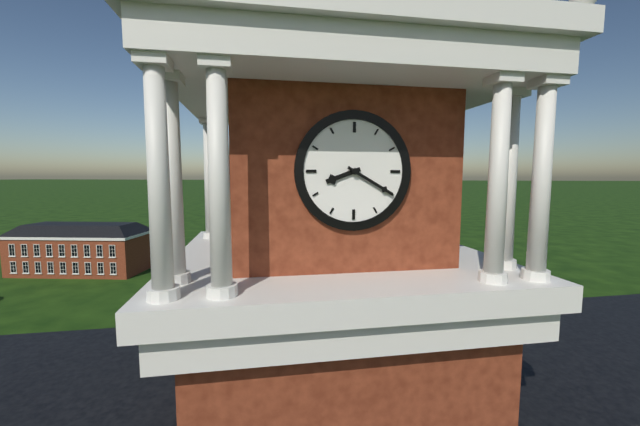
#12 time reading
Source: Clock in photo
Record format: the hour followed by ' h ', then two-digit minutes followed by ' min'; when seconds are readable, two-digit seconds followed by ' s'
8 h 20 min
